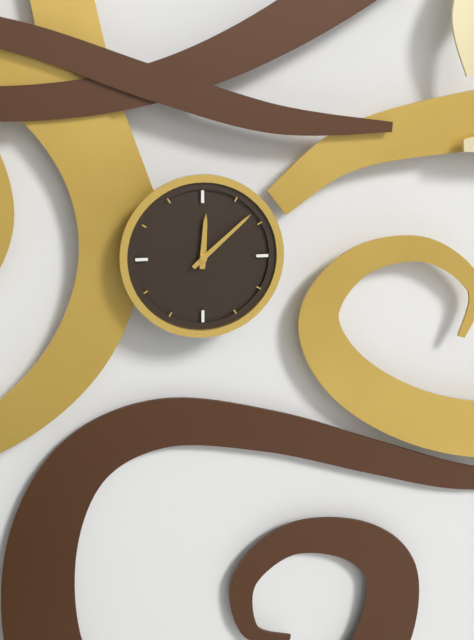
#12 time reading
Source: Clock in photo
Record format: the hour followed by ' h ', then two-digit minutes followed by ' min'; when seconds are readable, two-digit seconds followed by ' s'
12 h 08 min
